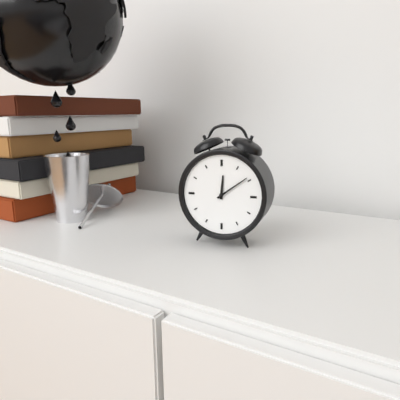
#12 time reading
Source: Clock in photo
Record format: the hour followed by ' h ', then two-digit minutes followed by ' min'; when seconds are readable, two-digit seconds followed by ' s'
12 h 09 min
